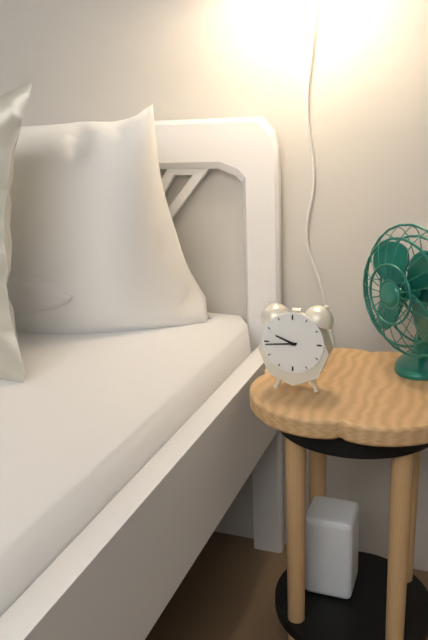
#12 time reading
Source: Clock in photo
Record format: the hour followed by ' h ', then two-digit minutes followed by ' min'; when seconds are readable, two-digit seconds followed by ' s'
9 h 44 min
